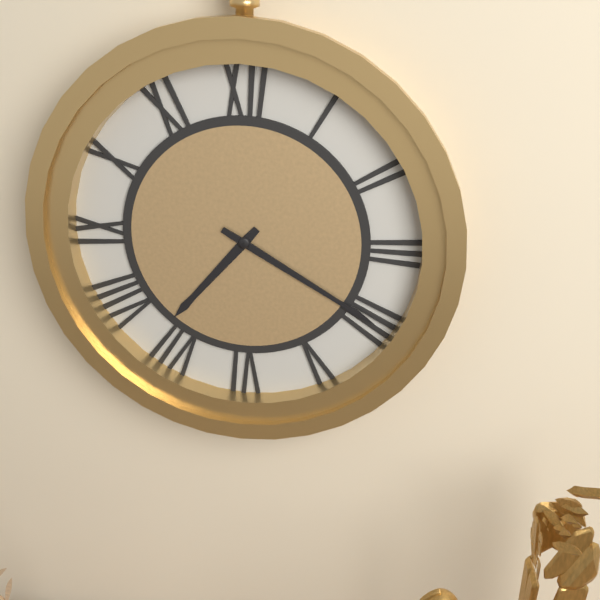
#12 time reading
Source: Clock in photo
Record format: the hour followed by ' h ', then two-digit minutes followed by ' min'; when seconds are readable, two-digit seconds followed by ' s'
7 h 20 min
